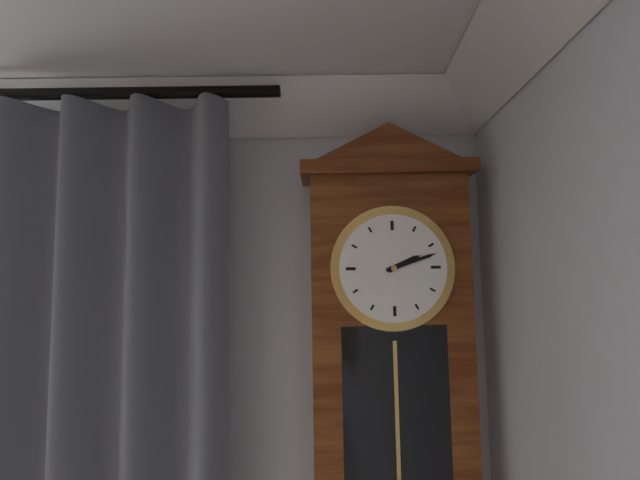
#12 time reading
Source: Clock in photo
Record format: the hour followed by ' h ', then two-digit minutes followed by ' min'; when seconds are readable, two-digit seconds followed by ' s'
2 h 12 min
